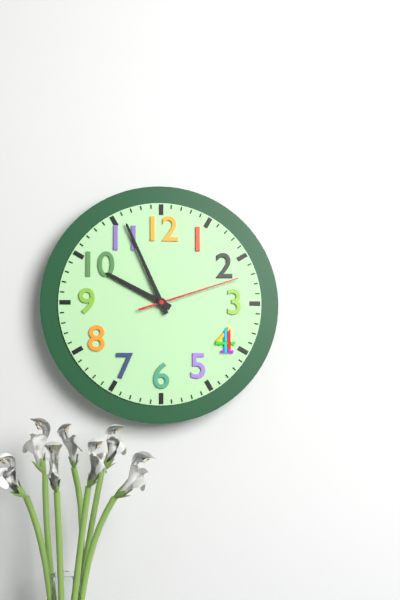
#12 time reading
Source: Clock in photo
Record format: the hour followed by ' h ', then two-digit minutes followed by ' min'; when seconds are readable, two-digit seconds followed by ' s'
9 h 56 min 12 s
